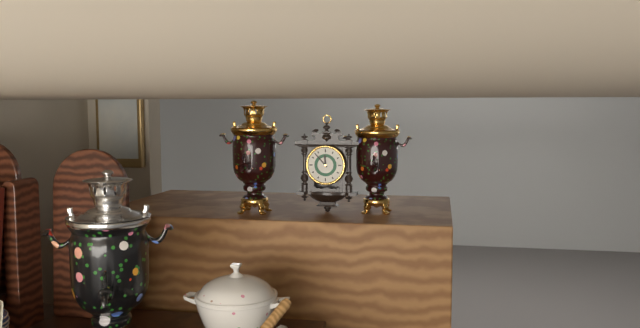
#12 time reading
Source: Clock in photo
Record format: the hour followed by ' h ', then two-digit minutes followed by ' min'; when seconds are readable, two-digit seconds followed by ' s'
11 h 53 min
